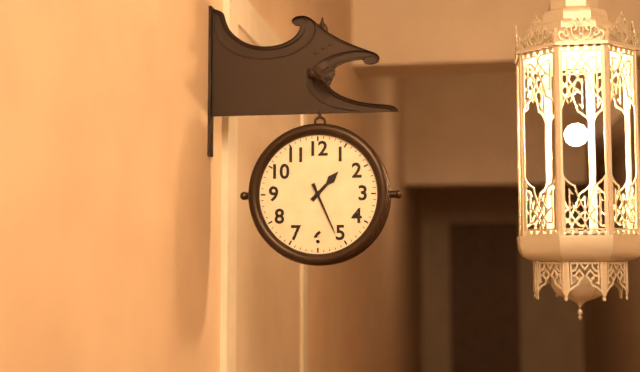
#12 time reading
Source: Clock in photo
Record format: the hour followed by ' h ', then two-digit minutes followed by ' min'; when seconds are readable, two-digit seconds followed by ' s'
1 h 26 min
